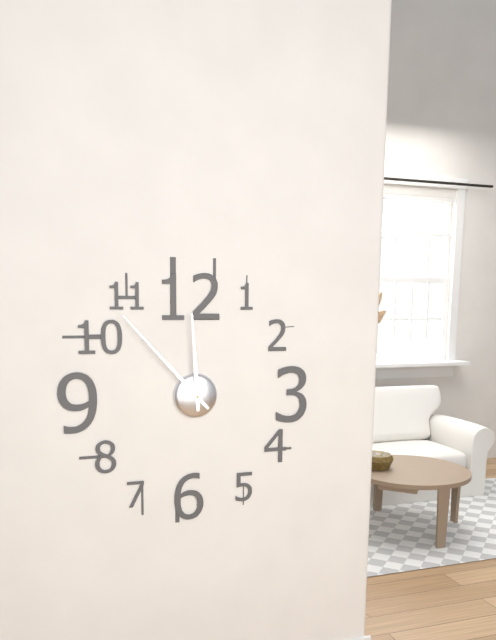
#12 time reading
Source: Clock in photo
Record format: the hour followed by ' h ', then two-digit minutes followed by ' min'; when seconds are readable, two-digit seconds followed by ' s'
11 h 53 min
